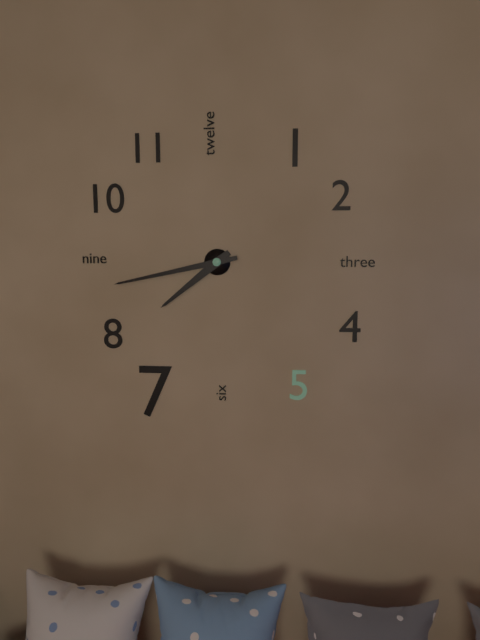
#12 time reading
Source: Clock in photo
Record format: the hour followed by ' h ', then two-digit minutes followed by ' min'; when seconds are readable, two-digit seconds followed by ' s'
7 h 43 min
